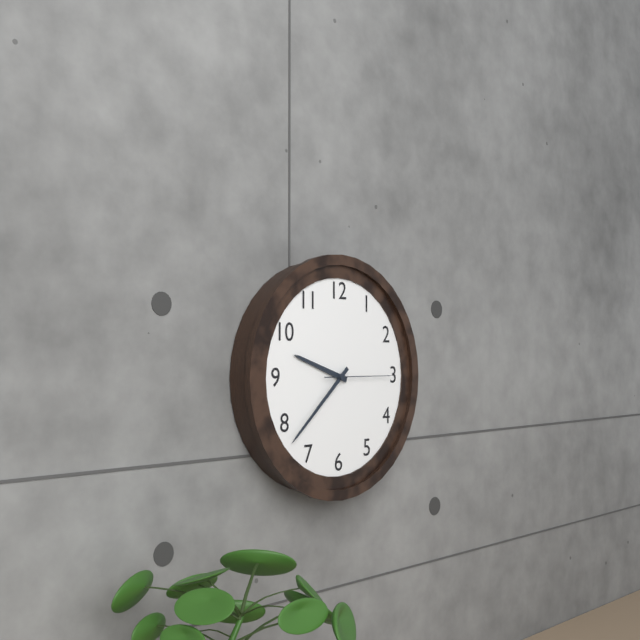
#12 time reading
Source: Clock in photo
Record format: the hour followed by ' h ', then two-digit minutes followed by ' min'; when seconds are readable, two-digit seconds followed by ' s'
9 h 38 min 15 s
